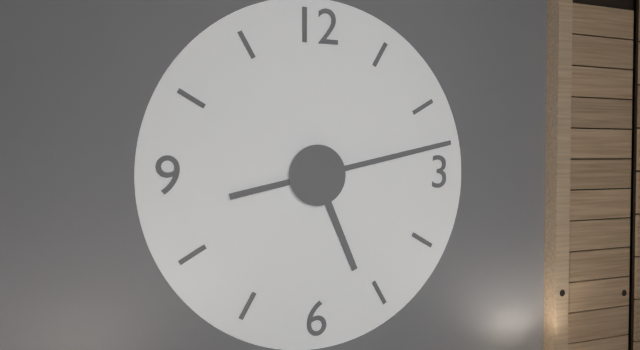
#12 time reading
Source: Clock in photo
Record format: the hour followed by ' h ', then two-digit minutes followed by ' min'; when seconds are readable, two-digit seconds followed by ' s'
5 h 13 min
